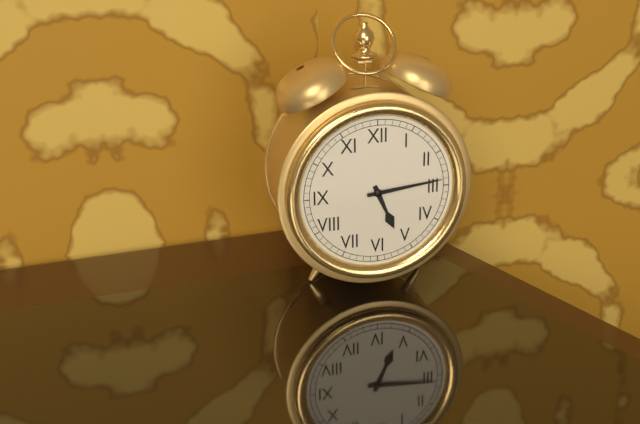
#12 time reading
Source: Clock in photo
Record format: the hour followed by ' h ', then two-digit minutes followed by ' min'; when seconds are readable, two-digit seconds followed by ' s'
5 h 14 min
